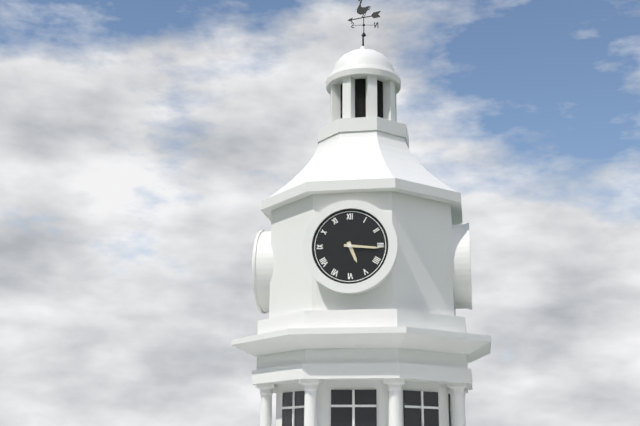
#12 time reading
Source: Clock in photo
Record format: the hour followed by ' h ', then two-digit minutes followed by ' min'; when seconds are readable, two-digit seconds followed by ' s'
5 h 16 min
